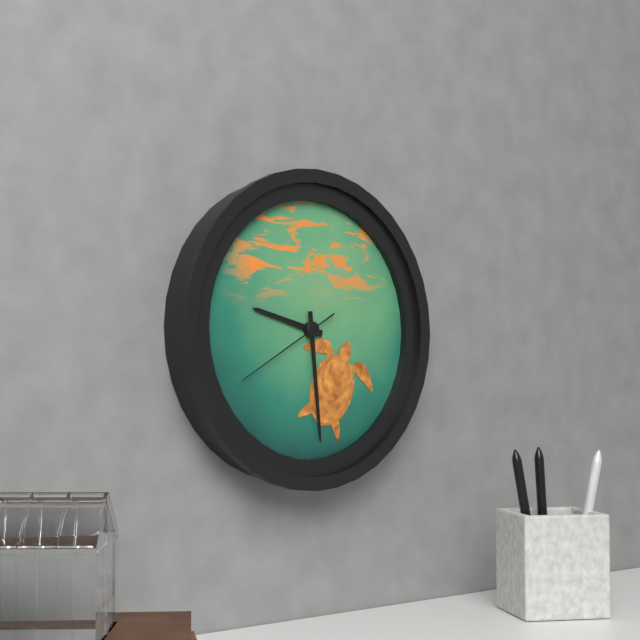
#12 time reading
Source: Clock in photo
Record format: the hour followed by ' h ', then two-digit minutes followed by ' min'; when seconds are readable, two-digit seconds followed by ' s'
9 h 29 min 40 s
